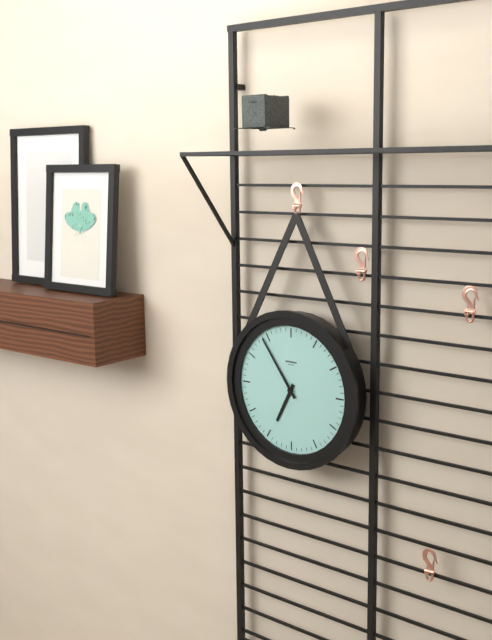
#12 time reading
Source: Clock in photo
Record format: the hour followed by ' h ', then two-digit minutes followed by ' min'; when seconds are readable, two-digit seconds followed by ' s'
6 h 54 min
